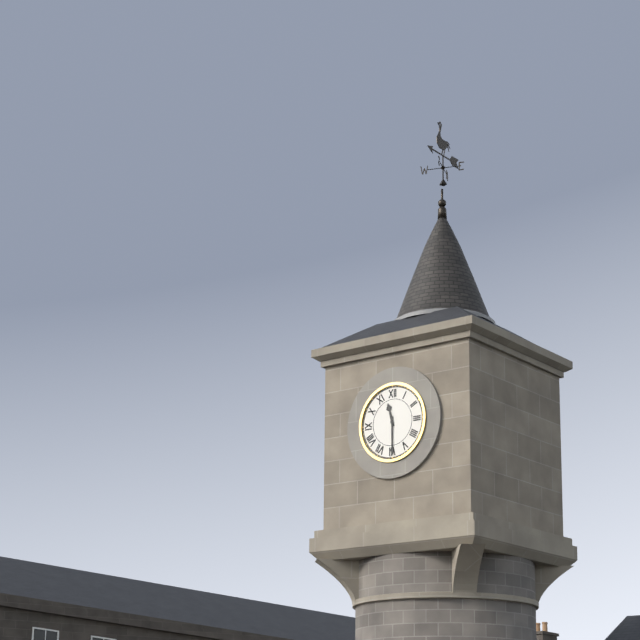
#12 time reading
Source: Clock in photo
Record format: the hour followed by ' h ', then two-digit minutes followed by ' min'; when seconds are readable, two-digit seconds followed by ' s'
11 h 30 min
